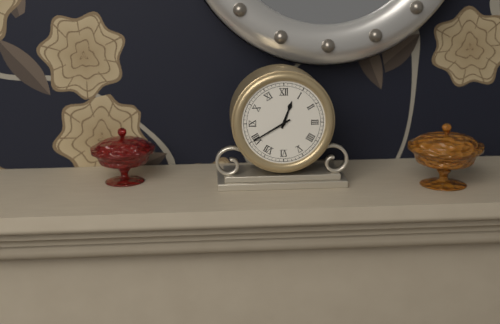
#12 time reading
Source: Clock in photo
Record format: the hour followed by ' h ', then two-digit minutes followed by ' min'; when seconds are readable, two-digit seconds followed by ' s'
12 h 40 min
